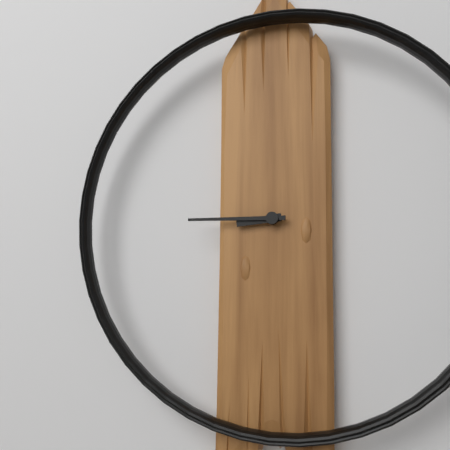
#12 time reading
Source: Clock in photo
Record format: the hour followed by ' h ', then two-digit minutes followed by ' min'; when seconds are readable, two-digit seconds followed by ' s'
8 h 45 min
